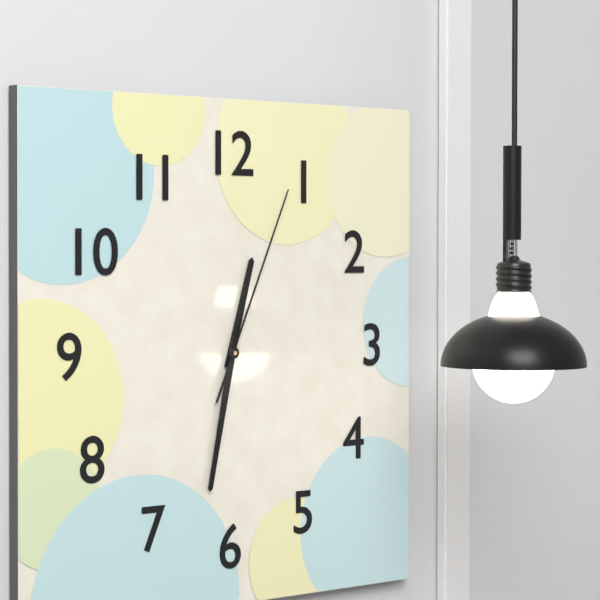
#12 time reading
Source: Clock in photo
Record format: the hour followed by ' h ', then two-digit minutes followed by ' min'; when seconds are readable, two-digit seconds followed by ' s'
12 h 32 min 04 s
